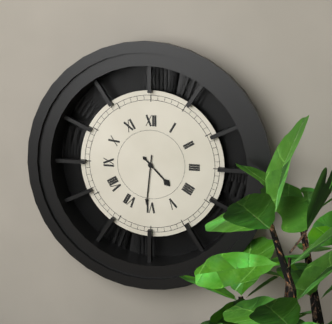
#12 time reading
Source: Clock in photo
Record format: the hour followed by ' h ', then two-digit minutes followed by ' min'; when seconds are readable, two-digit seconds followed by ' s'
4 h 31 min
